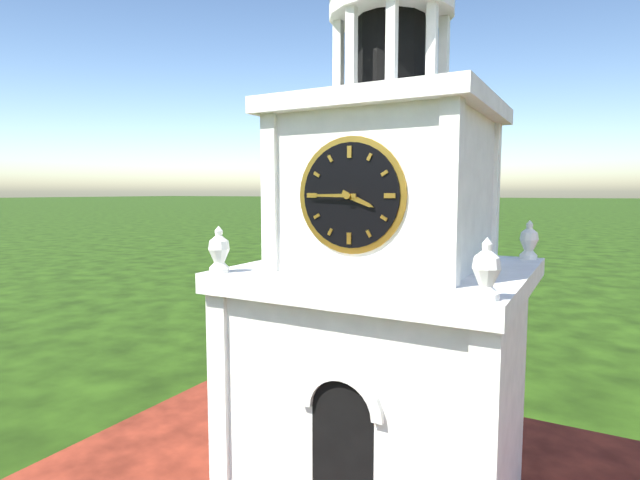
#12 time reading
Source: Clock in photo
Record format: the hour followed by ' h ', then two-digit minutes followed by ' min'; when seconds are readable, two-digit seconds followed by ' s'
3 h 45 min
